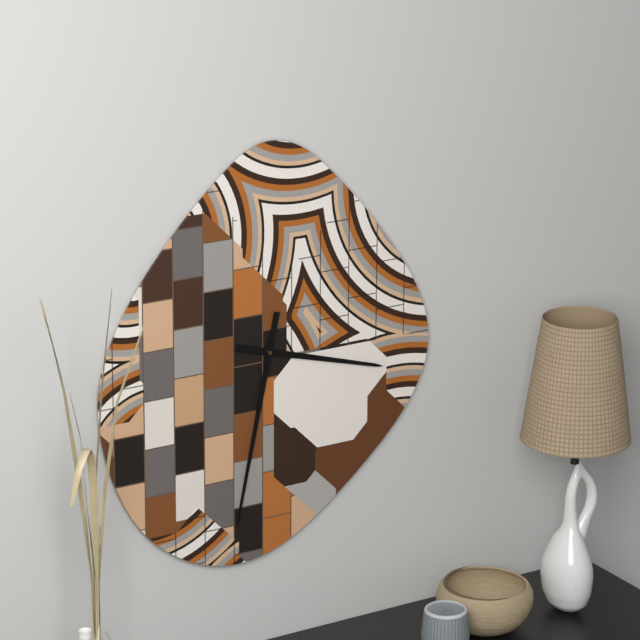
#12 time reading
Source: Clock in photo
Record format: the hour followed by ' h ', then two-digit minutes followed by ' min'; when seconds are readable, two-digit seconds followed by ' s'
3 h 32 min
